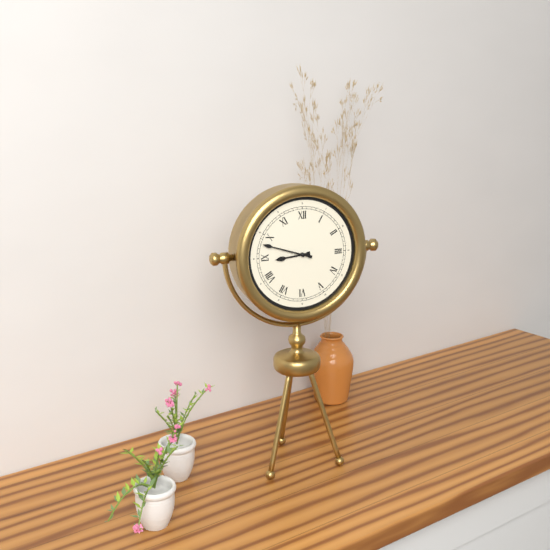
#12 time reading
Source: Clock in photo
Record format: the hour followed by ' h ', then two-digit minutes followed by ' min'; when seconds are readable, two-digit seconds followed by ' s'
8 h 48 min
